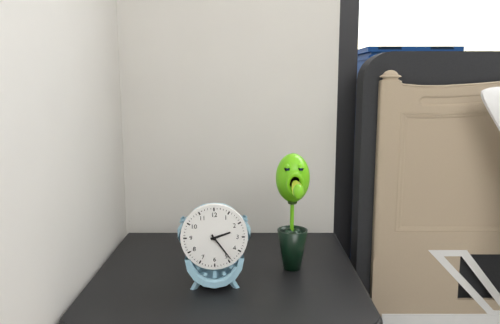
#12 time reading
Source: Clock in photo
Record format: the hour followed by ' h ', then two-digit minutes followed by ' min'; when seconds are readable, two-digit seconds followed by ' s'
2 h 24 min
